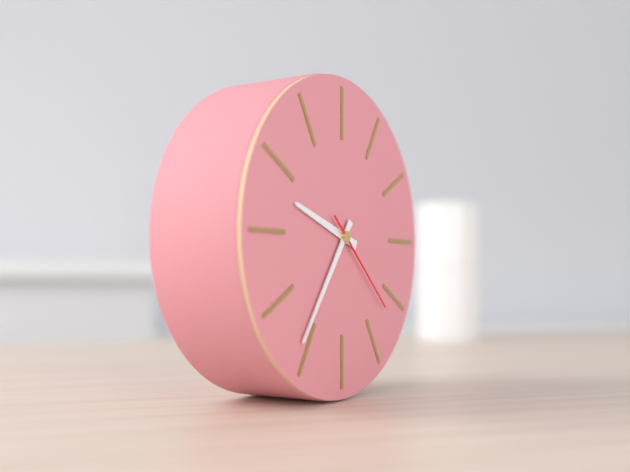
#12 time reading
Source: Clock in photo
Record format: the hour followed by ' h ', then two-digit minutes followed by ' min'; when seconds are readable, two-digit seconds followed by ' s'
9 h 36 min 22 s
